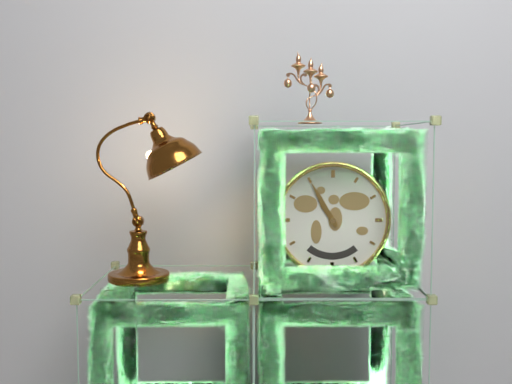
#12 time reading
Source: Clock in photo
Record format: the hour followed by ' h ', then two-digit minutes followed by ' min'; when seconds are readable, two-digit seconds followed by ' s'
10 h 55 min
